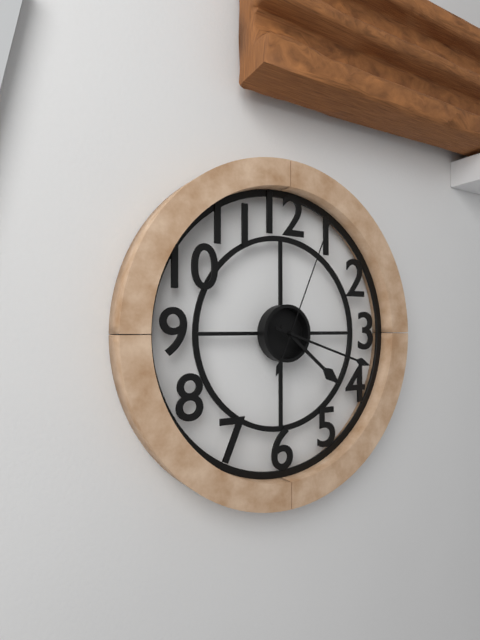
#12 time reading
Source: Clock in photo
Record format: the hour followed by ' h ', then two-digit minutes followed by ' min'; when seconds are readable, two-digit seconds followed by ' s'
4 h 18 min 04 s
